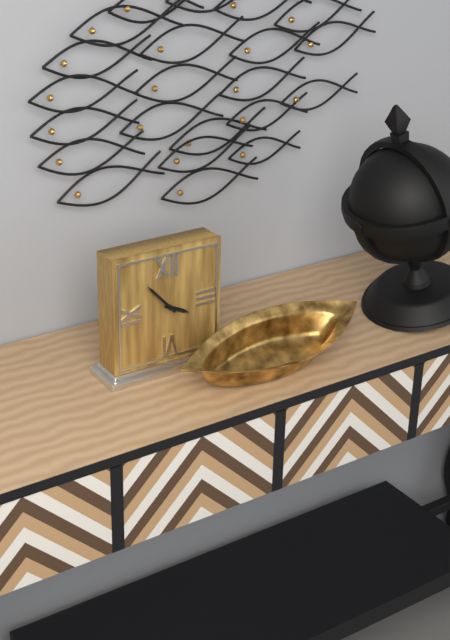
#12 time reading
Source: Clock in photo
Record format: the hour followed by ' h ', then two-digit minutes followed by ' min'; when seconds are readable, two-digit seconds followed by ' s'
3 h 53 min
